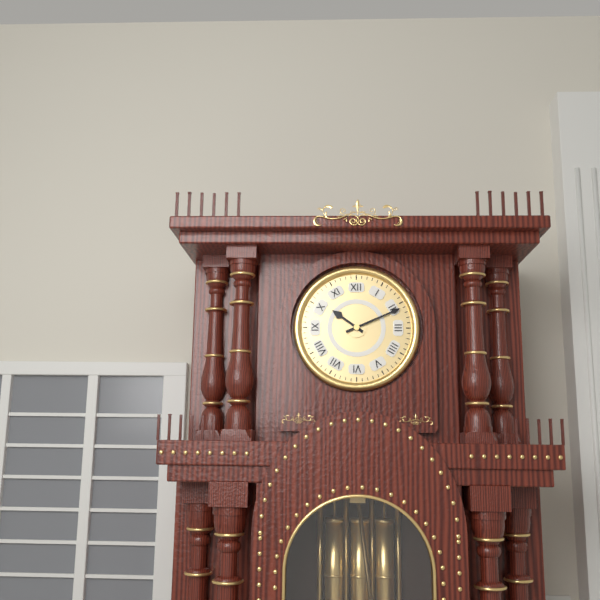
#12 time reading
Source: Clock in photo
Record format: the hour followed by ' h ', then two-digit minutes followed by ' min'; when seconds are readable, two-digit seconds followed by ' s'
10 h 11 min
